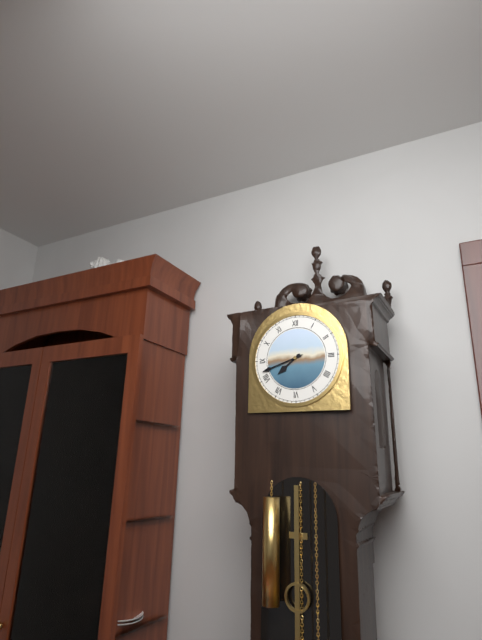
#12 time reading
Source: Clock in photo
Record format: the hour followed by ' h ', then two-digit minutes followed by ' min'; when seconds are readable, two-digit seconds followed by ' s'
7 h 42 min
